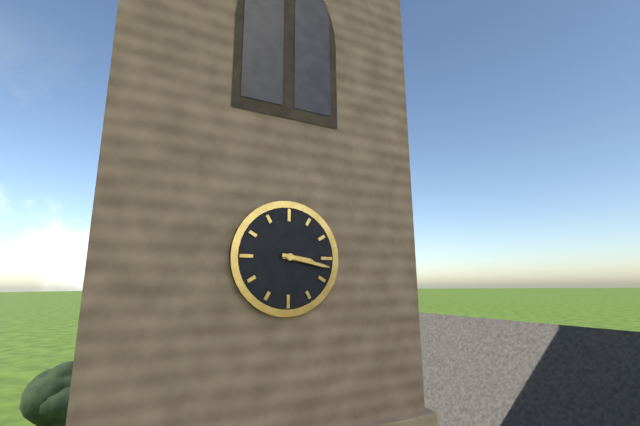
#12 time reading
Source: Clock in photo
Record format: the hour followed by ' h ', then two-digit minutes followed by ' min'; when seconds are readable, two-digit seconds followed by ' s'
3 h 17 min
